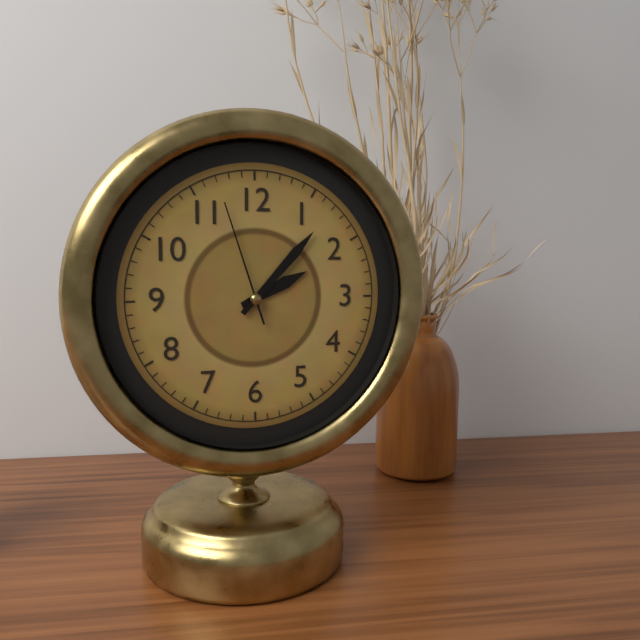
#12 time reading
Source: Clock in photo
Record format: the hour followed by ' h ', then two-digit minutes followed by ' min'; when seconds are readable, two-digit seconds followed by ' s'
2 h 07 min 57 s
